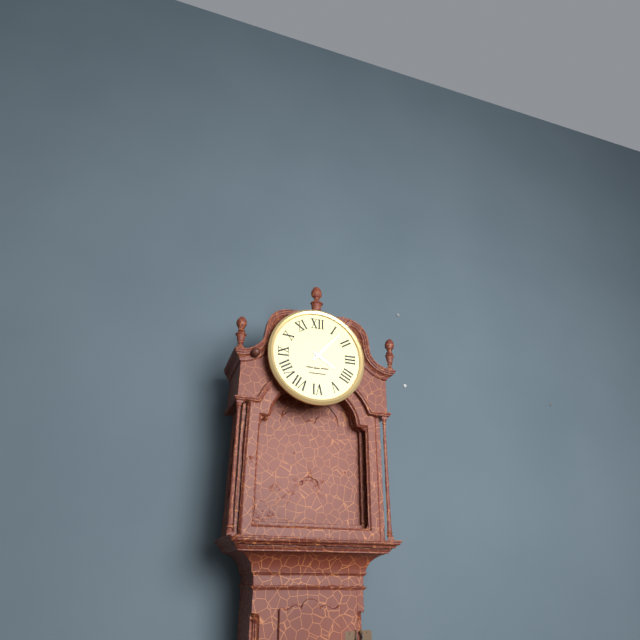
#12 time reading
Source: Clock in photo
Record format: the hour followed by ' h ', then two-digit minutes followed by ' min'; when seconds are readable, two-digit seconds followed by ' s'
4 h 07 min
